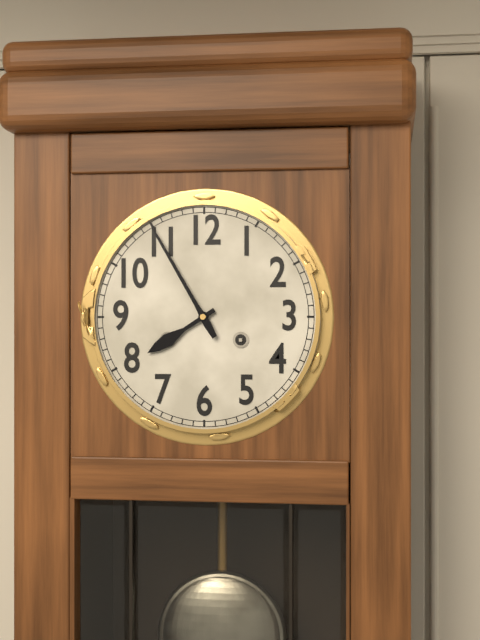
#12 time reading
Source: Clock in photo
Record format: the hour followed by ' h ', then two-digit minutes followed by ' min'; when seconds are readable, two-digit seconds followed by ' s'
7 h 55 min
